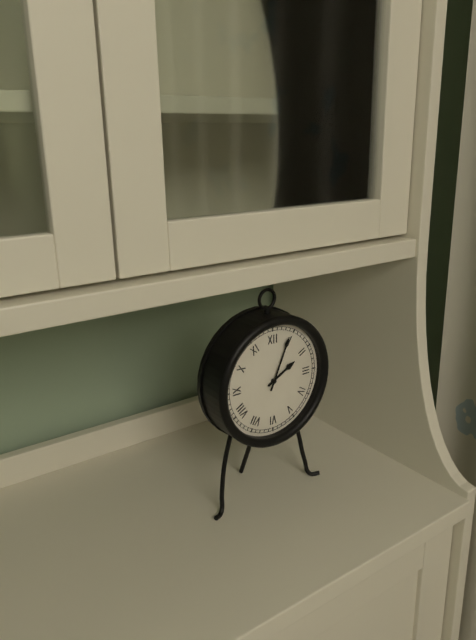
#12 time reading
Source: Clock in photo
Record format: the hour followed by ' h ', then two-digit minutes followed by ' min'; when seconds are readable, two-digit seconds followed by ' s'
2 h 04 min
